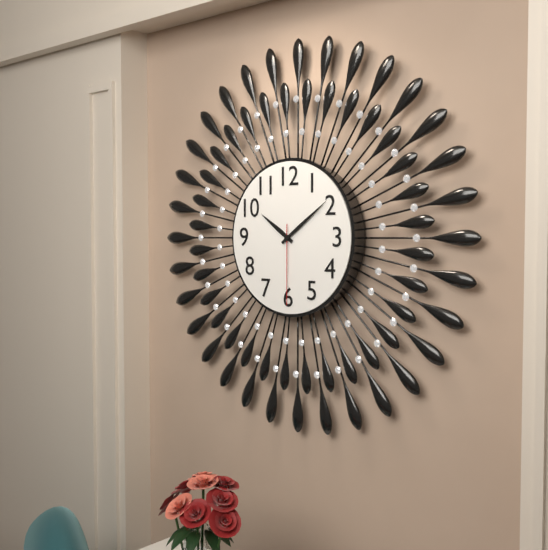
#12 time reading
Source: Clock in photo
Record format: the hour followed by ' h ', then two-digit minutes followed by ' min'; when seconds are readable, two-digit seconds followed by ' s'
10 h 09 min 30 s
